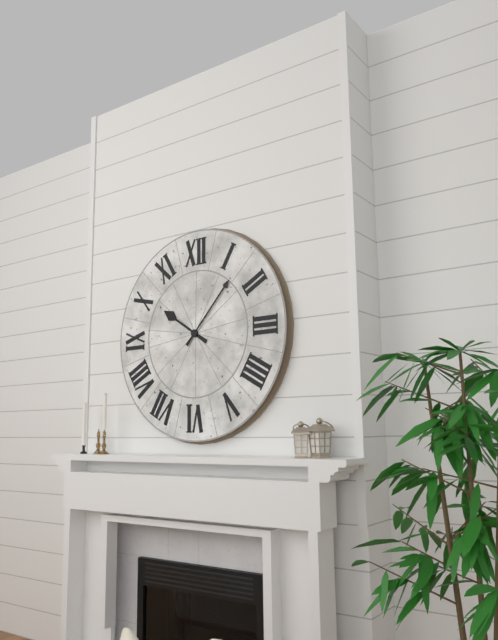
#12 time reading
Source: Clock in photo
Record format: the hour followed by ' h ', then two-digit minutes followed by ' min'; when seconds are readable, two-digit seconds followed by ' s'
10 h 07 min
